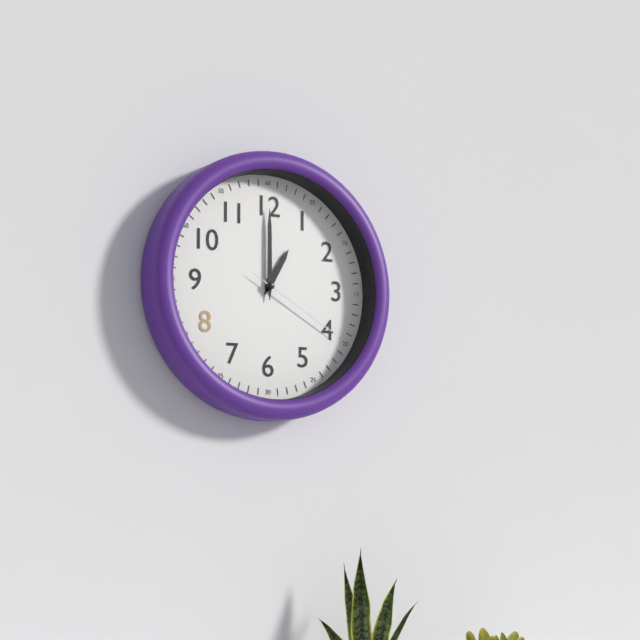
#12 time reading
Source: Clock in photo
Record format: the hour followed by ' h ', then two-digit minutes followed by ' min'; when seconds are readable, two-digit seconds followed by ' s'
1 h 00 min 20 s
